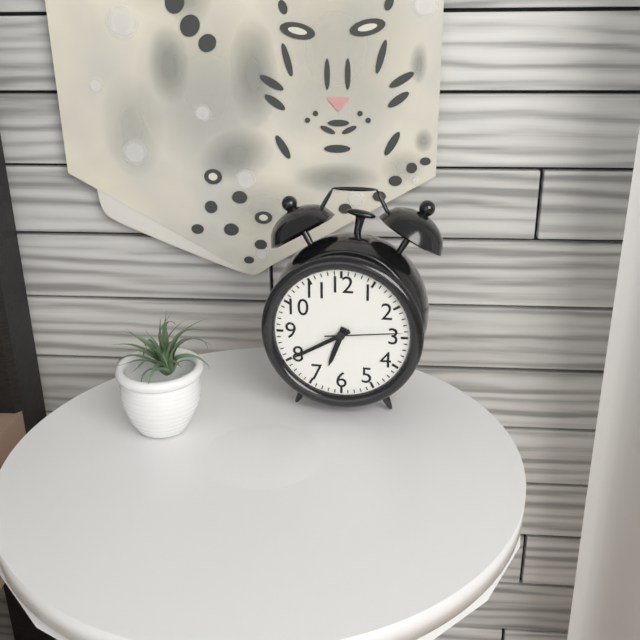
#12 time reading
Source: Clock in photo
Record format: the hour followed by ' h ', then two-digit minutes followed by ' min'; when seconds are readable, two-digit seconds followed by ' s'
6 h 40 min 14 s
